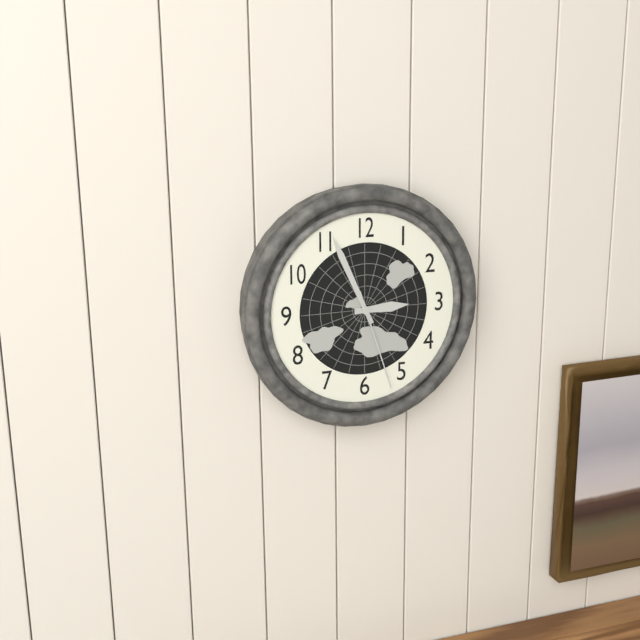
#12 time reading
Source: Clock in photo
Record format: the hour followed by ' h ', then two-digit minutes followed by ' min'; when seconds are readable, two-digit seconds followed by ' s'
2 h 56 min 27 s
